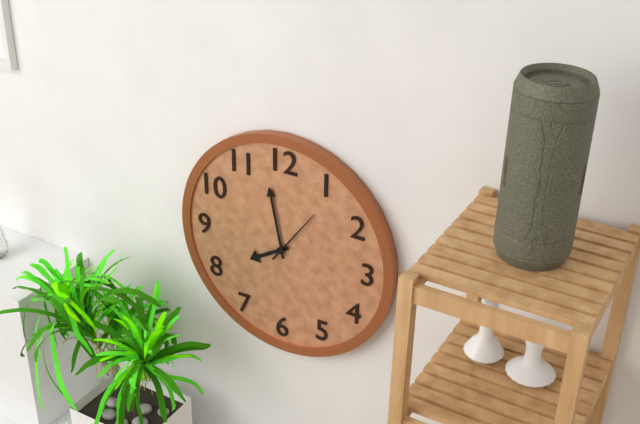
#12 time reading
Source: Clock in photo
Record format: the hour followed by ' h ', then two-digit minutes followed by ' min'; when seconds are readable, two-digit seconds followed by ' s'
7 h 58 min 06 s
